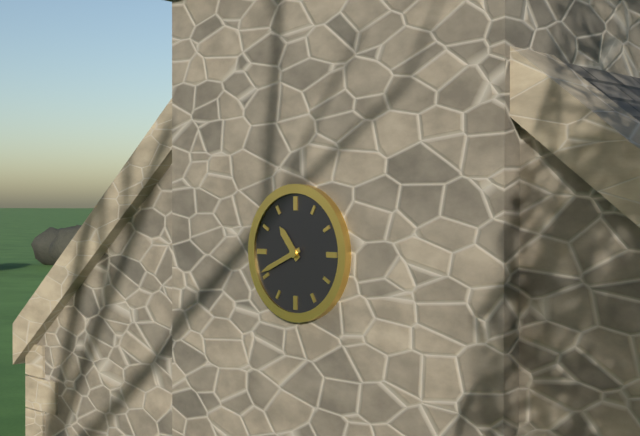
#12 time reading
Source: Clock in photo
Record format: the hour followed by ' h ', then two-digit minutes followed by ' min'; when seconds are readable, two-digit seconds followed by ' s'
10 h 41 min
